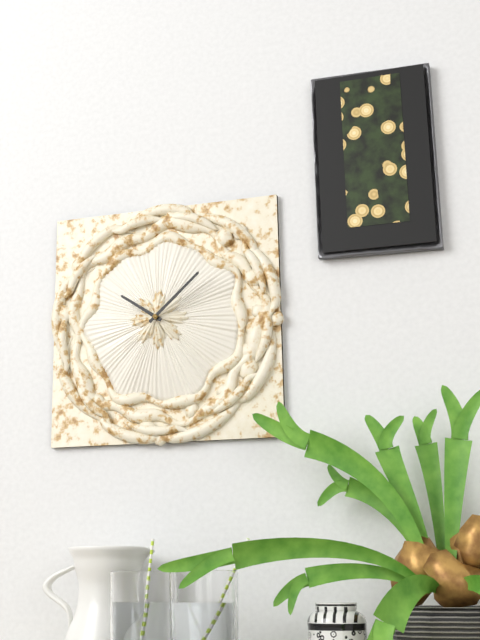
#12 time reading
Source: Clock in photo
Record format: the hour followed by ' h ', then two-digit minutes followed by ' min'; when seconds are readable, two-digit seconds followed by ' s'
10 h 08 min
